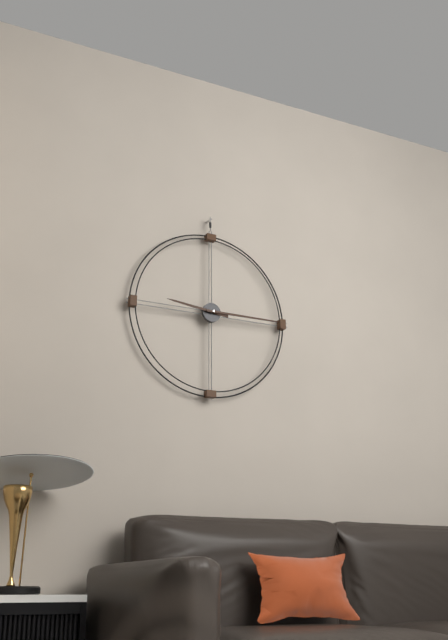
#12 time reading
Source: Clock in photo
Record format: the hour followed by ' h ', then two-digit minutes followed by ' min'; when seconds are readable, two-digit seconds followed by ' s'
9 h 15 min
